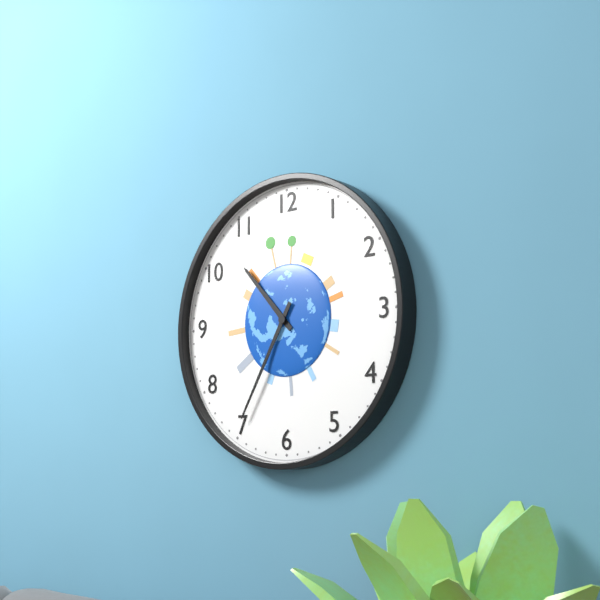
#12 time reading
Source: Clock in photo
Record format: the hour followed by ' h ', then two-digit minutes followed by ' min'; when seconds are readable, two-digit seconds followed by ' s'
10 h 35 min
